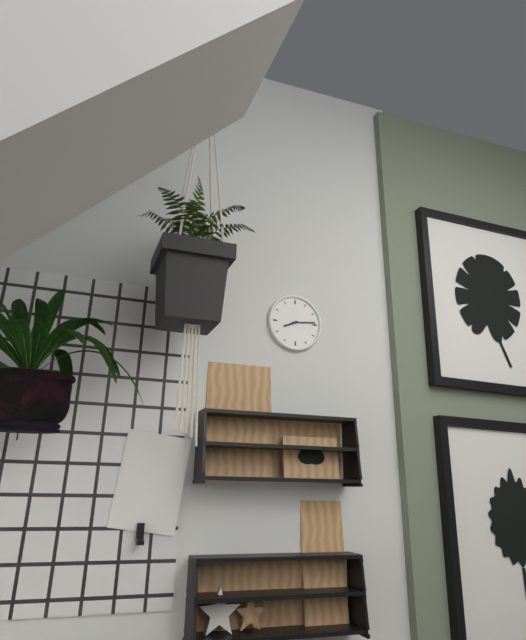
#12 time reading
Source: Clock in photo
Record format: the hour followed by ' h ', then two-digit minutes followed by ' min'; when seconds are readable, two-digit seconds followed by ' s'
8 h 14 min
